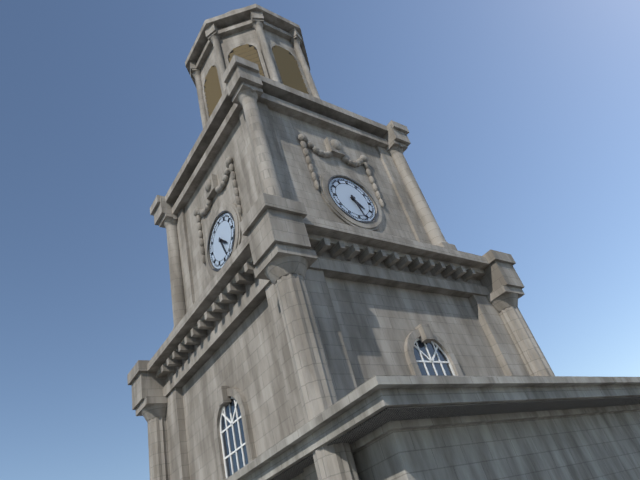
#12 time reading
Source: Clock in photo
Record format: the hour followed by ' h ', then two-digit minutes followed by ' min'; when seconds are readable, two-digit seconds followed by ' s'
4 h 27 min
